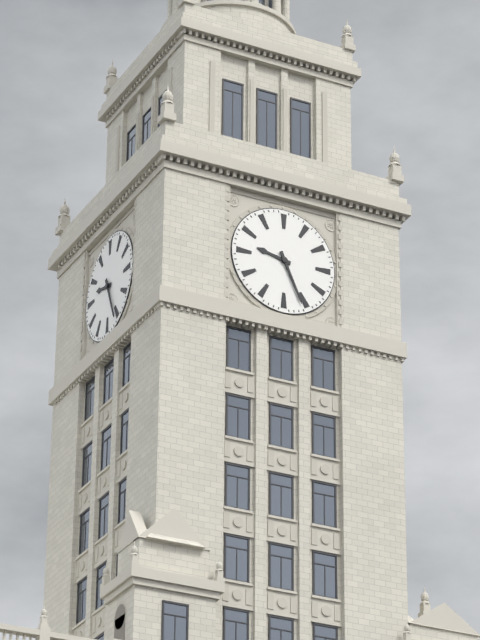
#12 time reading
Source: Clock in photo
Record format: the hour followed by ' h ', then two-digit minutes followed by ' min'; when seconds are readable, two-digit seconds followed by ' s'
9 h 26 min
